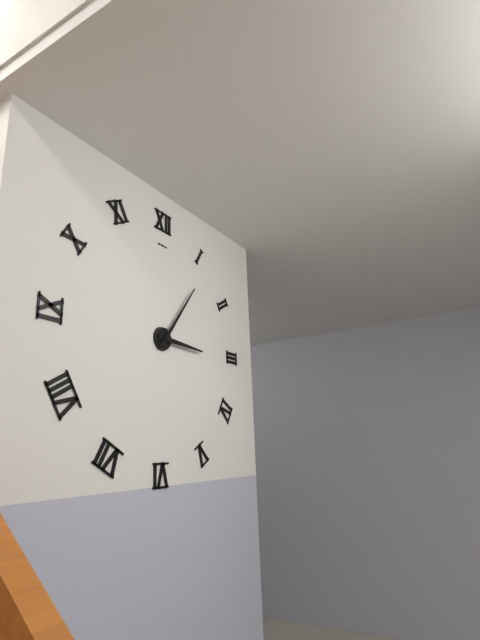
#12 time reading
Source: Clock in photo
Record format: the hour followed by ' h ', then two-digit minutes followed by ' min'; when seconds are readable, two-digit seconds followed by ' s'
3 h 06 min
